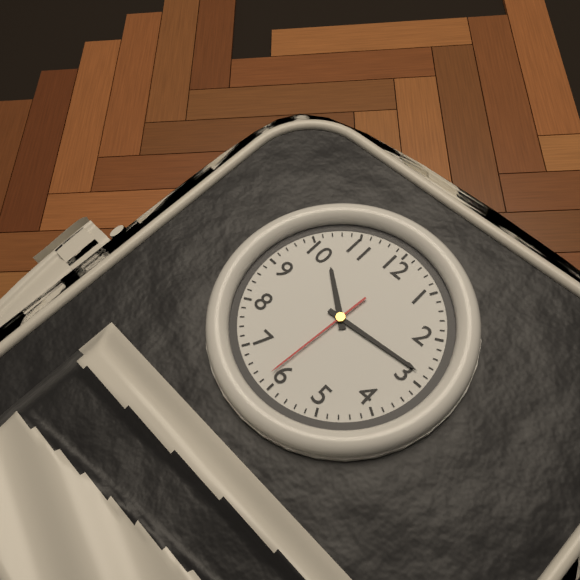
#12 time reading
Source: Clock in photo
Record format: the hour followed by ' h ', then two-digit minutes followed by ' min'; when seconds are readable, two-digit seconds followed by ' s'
10 h 14 min 31 s
